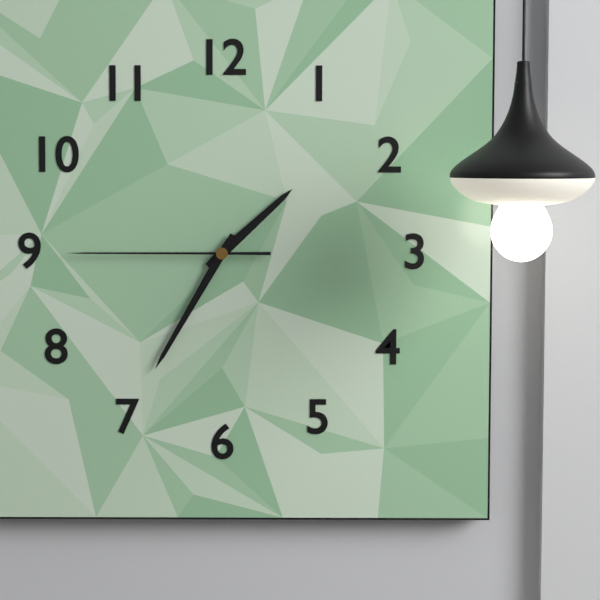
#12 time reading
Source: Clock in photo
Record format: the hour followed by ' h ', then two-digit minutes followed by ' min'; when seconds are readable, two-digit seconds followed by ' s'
1 h 35 min 45 s
